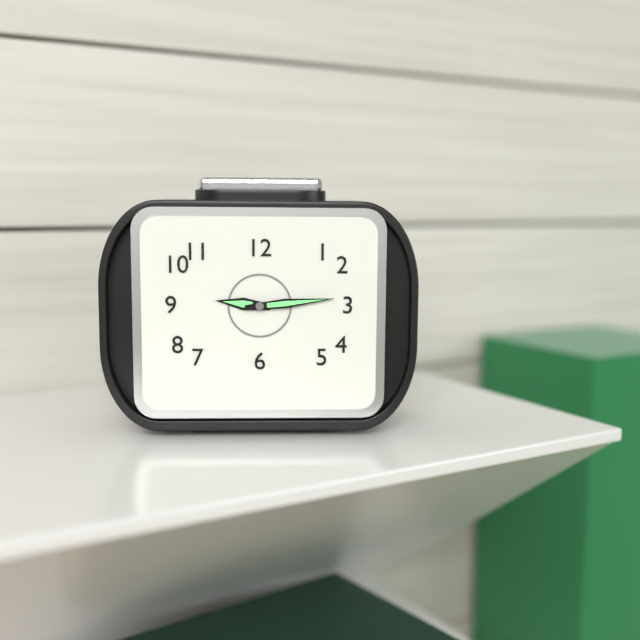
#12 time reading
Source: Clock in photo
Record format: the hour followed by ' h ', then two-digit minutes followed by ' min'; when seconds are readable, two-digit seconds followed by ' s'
9 h 14 min
